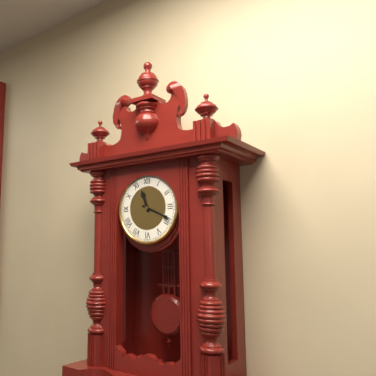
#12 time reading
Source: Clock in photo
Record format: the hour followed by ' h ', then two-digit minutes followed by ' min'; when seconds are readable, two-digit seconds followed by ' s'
11 h 19 min
